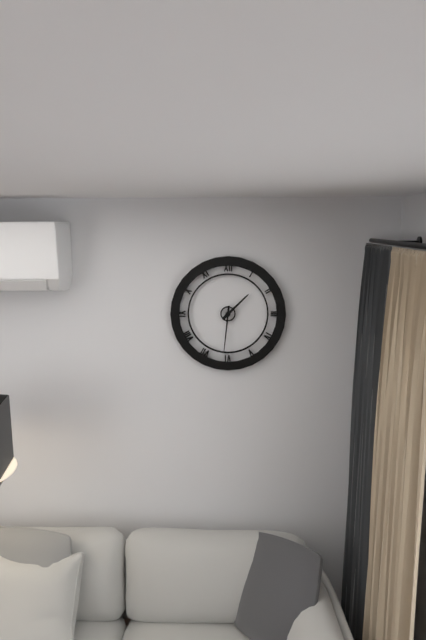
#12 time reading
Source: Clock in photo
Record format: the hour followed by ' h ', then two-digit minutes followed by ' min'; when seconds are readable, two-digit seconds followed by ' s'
1 h 31 min
